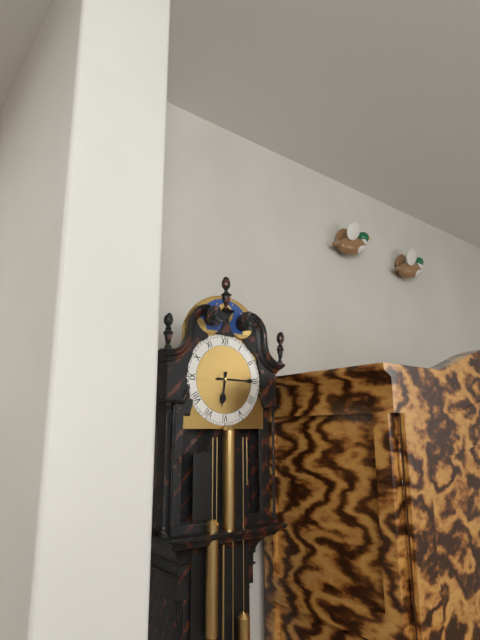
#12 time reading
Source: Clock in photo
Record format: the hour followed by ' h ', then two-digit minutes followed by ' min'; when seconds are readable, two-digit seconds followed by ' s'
6 h 15 min
